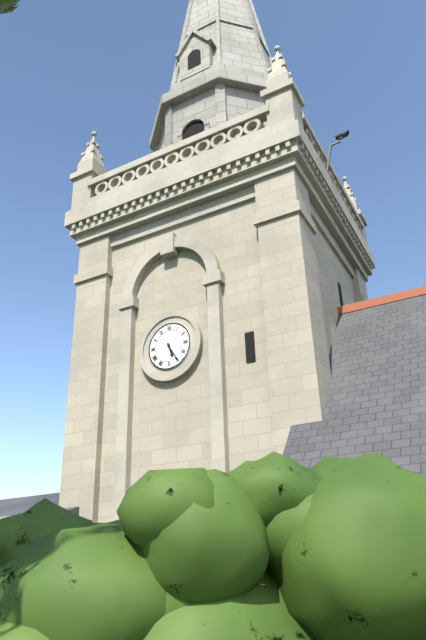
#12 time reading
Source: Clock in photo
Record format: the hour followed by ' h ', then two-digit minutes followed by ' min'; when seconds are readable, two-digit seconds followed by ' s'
5 h 25 min
